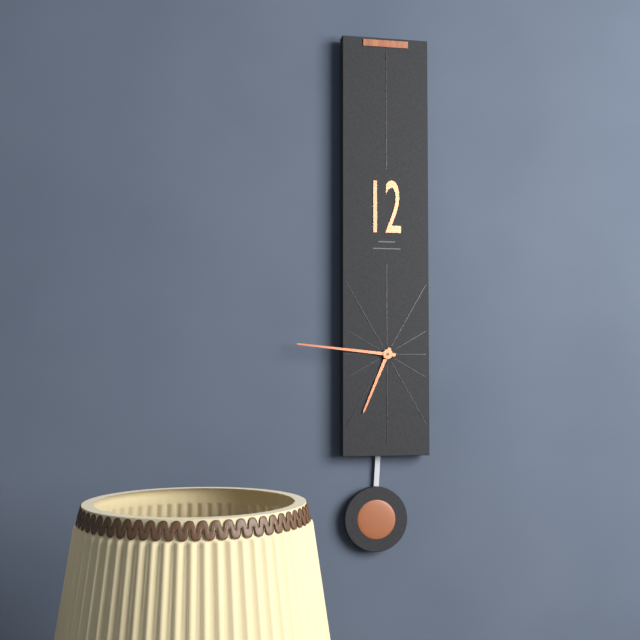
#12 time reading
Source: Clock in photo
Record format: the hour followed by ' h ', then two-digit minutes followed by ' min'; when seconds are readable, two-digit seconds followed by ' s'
6 h 46 min
